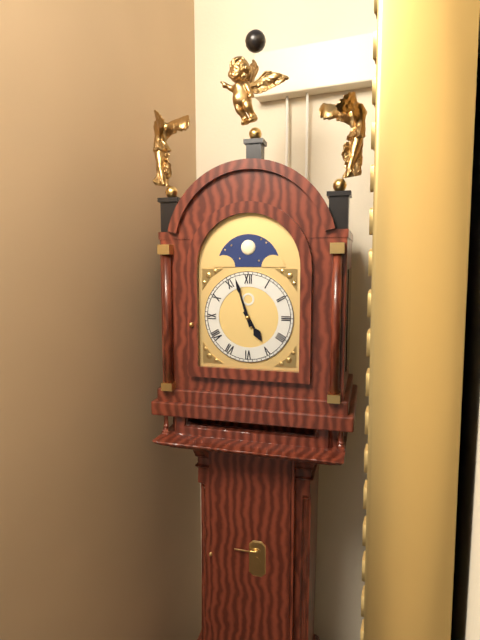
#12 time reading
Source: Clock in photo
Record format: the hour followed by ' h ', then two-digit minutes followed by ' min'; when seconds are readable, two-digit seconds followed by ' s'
4 h 57 min
